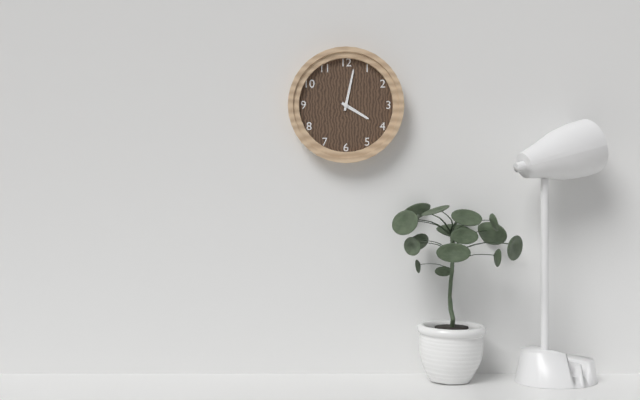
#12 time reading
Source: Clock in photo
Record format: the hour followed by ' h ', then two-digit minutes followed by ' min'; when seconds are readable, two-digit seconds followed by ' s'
4 h 02 min
